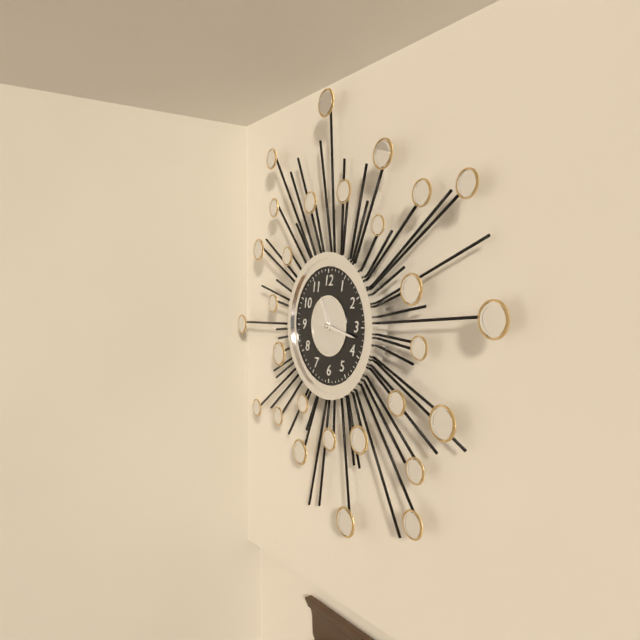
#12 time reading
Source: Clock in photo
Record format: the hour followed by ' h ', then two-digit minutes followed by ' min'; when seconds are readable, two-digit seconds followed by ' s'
11 h 17 min
